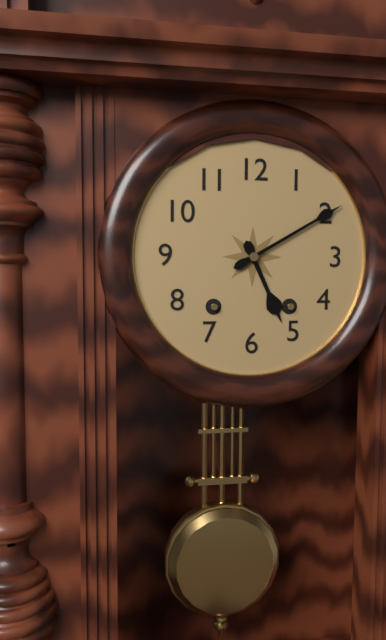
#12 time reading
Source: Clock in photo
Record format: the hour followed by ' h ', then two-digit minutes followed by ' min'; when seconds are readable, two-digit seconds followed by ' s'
5 h 10 min
